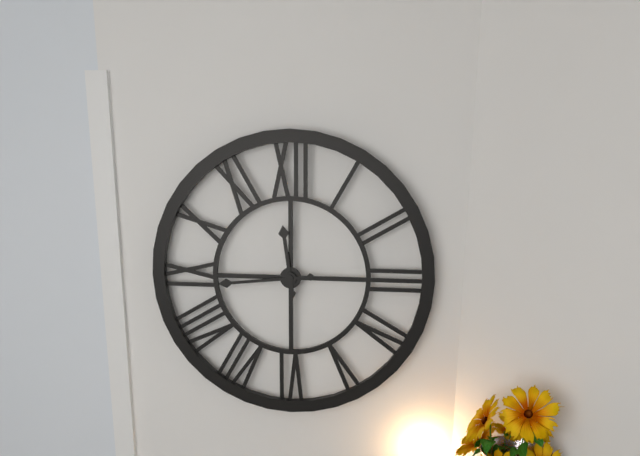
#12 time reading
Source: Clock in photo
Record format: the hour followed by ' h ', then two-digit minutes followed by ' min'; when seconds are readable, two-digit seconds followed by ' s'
11 h 44 min
